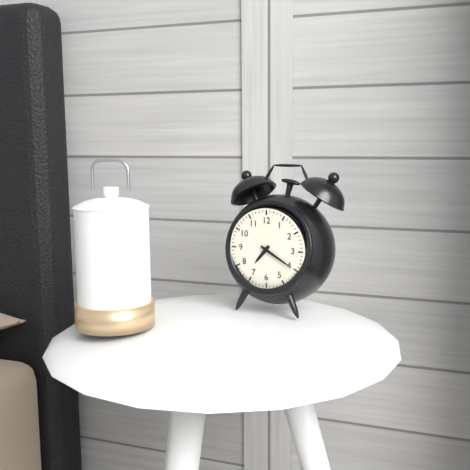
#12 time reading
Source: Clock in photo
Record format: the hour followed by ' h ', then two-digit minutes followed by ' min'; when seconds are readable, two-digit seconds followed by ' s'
7 h 20 min
